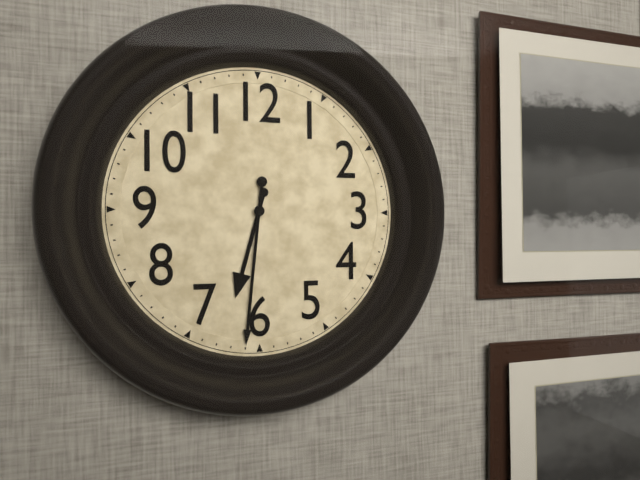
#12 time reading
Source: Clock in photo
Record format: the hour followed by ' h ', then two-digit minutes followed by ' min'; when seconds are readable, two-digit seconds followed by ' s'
6 h 31 min
